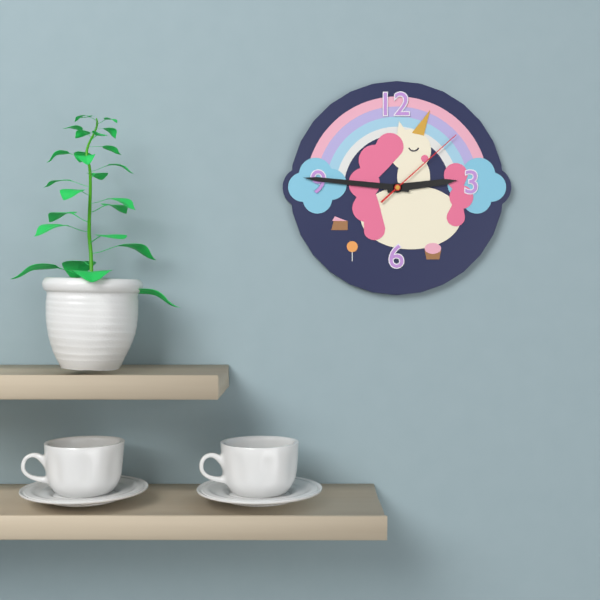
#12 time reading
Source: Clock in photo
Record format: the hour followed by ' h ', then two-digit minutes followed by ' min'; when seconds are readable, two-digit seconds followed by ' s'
2 h 46 min 08 s
